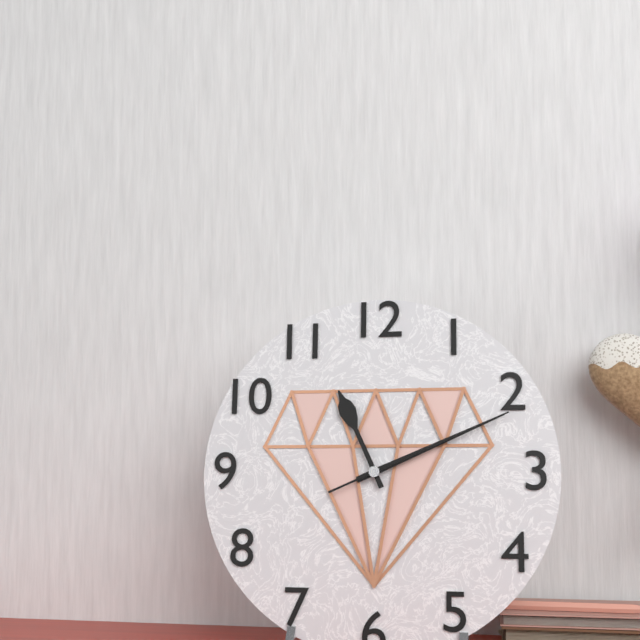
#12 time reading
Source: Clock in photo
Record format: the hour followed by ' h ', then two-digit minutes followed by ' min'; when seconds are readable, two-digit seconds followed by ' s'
11 h 11 min 11 s
